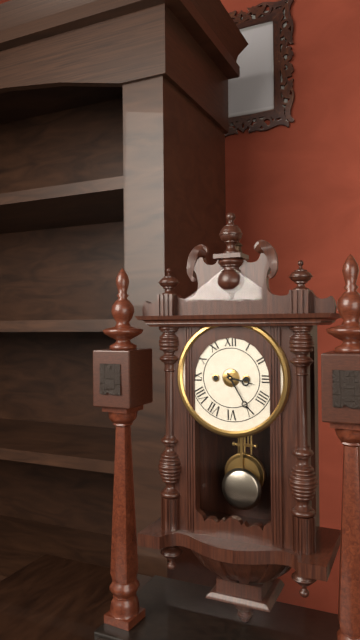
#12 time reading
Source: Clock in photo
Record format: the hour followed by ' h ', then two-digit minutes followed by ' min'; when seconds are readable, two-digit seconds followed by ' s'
3 h 25 min
